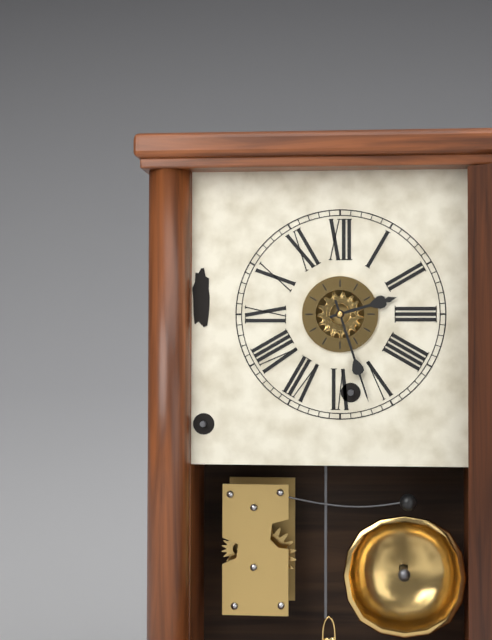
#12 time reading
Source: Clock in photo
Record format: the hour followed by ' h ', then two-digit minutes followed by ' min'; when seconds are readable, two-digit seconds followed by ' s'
2 h 27 min
